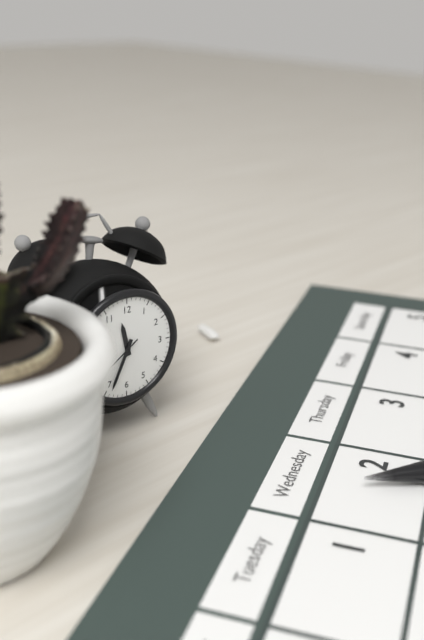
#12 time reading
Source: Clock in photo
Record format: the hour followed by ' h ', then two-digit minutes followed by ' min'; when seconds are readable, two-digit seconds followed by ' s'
11 h 34 min
